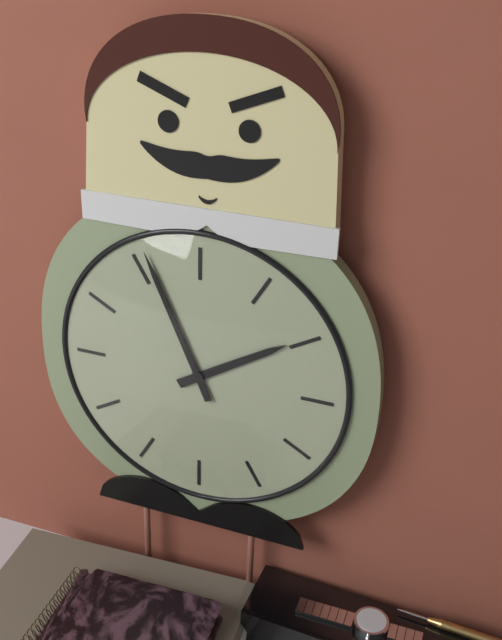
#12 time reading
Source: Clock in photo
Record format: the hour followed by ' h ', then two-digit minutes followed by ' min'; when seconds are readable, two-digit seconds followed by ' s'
1 h 56 min
